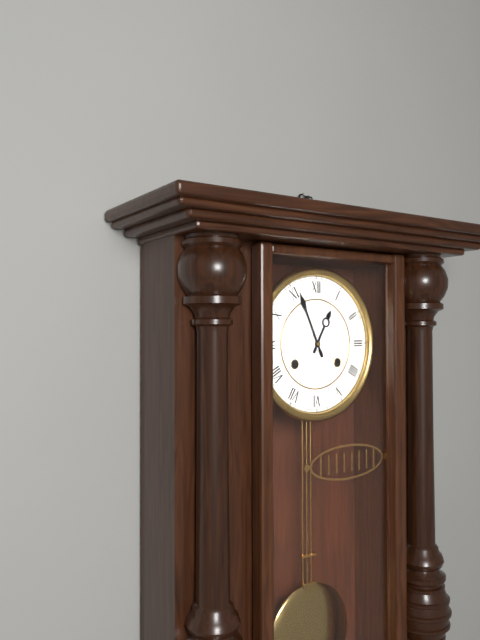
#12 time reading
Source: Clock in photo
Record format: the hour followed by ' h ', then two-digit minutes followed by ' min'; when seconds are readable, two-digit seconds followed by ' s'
12 h 56 min
